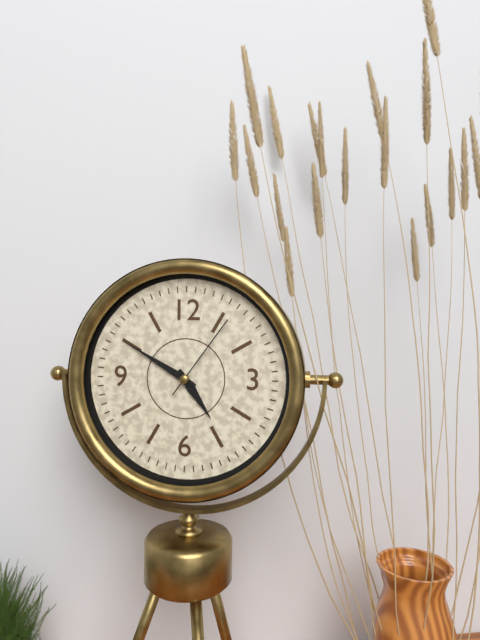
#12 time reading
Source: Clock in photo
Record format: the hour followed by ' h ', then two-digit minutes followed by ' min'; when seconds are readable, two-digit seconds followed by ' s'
4 h 50 min 06 s
